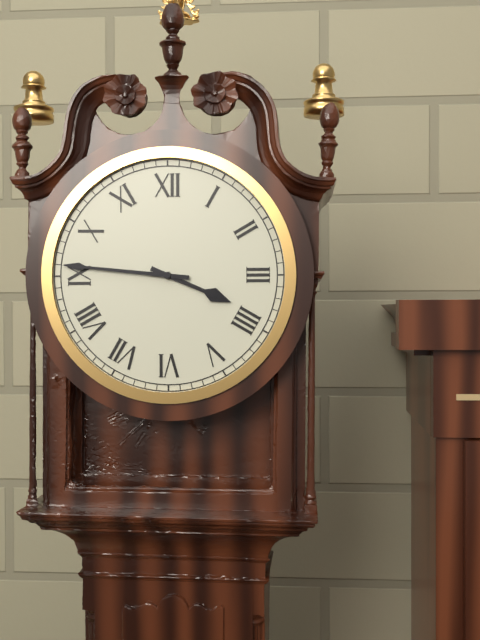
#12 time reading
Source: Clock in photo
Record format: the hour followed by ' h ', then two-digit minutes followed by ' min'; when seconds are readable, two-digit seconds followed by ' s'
3 h 46 min
